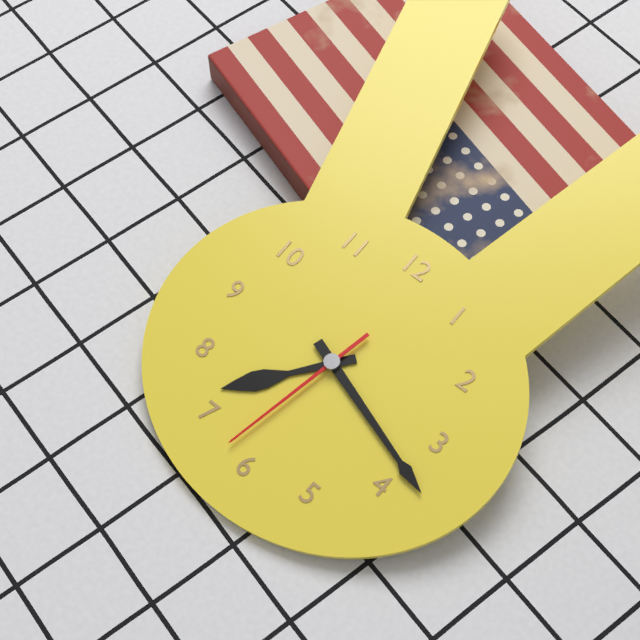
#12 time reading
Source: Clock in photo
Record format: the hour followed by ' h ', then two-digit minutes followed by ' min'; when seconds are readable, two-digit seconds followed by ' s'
7 h 18 min 32 s
